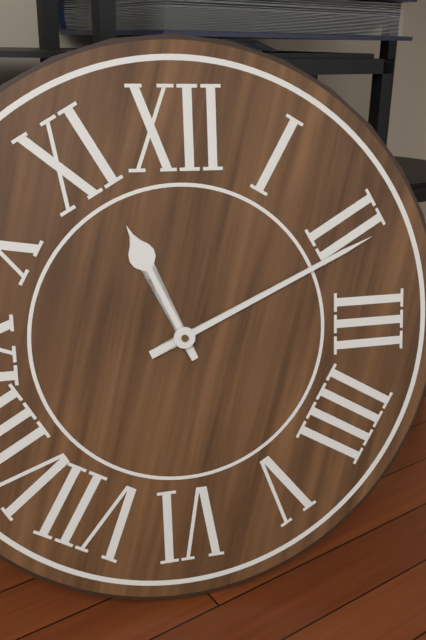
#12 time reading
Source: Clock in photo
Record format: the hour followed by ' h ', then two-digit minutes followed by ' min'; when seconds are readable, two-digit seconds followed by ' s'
11 h 11 min
